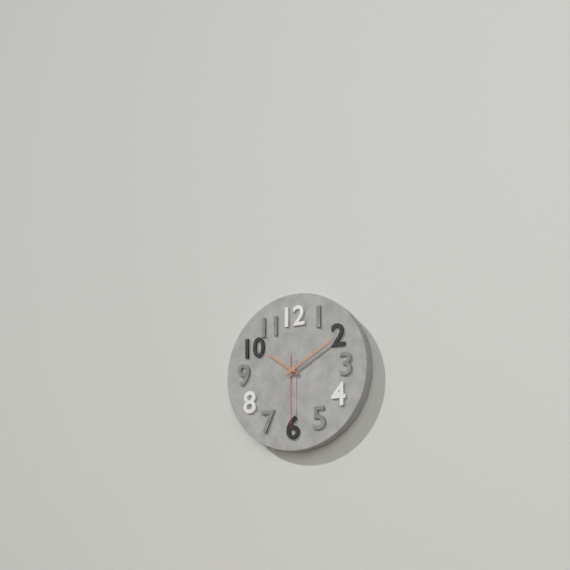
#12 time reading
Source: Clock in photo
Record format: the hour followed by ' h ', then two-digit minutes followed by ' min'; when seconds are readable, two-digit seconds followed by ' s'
10 h 10 min 30 s
